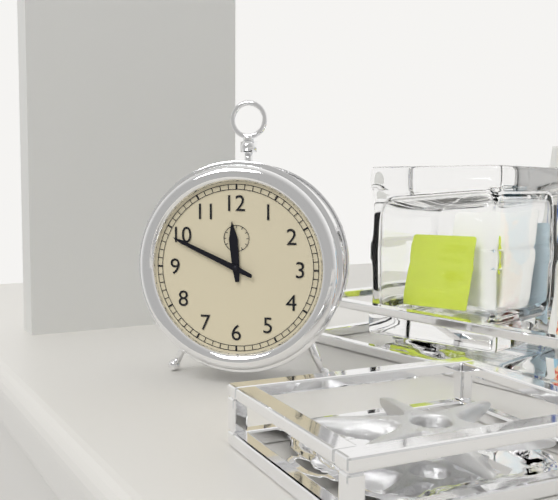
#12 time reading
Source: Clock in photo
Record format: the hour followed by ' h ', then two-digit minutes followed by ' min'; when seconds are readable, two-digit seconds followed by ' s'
11 h 49 min
